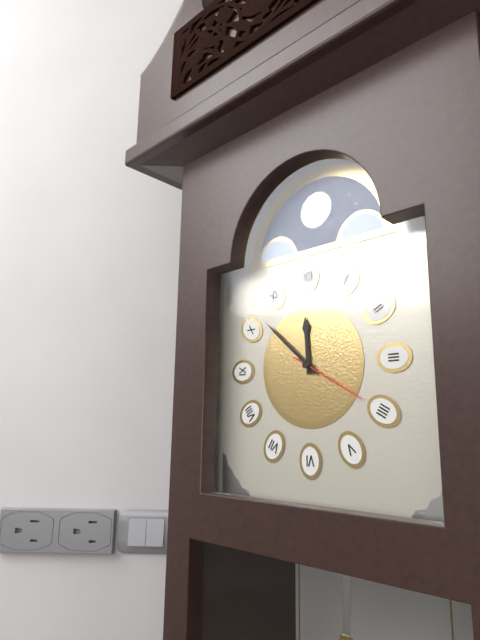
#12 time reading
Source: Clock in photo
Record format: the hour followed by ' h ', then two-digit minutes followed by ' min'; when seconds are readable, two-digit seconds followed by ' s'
11 h 52 min 20 s
